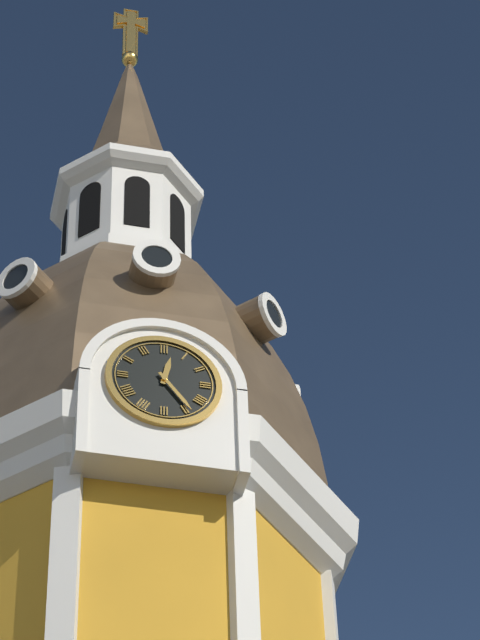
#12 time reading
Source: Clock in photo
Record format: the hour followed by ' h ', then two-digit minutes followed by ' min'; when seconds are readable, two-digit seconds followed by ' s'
12 h 24 min
